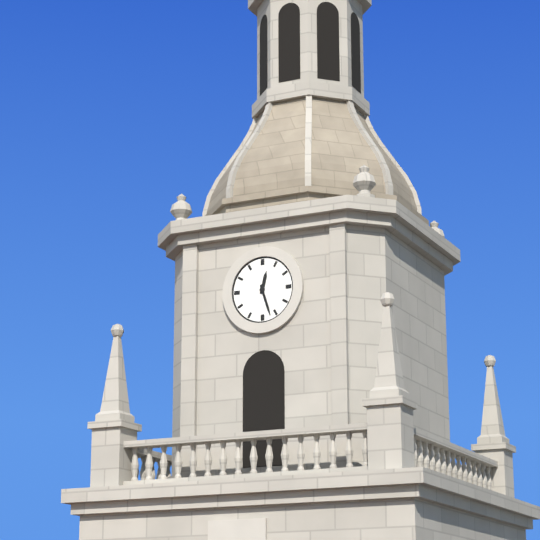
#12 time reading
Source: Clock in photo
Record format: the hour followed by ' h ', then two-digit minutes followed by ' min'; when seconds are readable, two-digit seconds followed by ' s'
12 h 27 min
